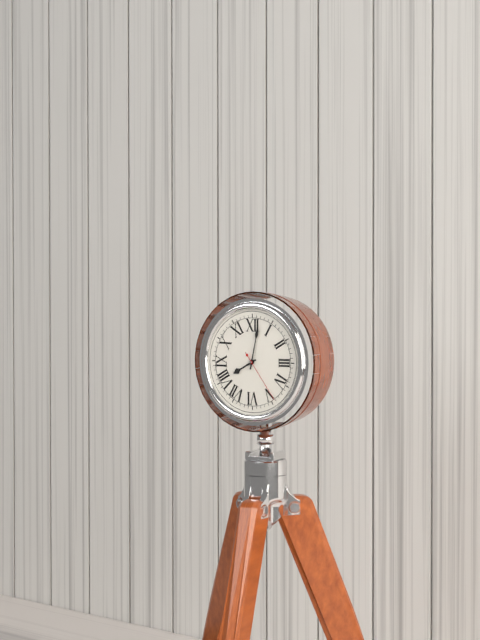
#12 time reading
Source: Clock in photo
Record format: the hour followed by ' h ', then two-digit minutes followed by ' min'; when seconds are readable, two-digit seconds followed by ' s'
8 h 02 min
